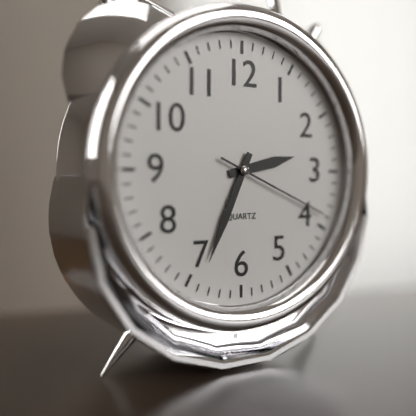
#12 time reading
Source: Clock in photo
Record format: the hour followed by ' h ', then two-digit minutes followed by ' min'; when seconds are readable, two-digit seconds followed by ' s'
2 h 34 min 19 s
